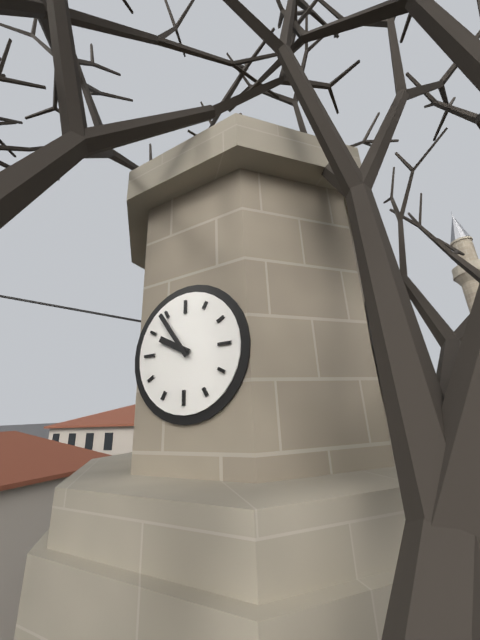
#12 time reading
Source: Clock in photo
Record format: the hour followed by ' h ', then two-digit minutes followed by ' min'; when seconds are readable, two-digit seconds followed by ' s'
9 h 54 min
